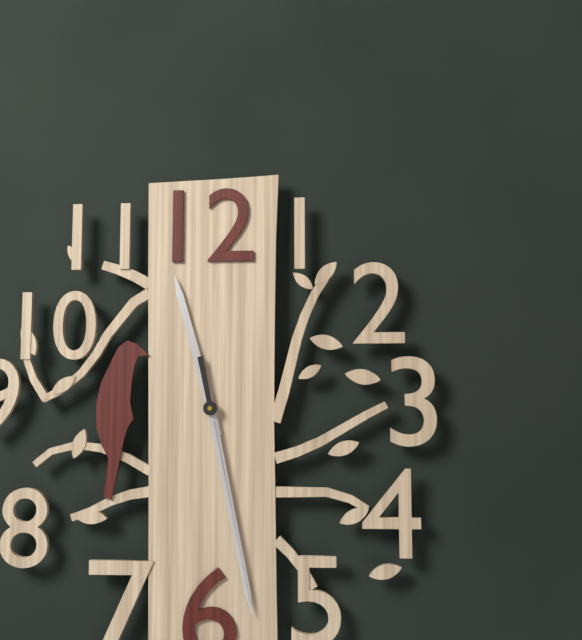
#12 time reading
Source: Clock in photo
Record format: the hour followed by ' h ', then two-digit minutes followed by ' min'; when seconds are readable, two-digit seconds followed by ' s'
11 h 28 min 28 s
